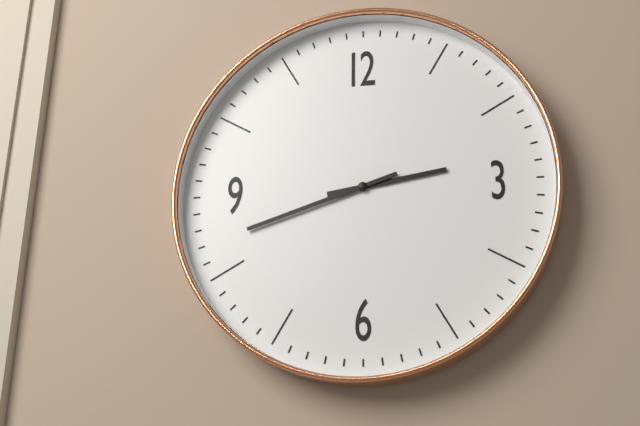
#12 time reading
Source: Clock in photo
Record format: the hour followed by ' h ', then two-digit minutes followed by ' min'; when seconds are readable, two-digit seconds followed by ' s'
2 h 42 min
